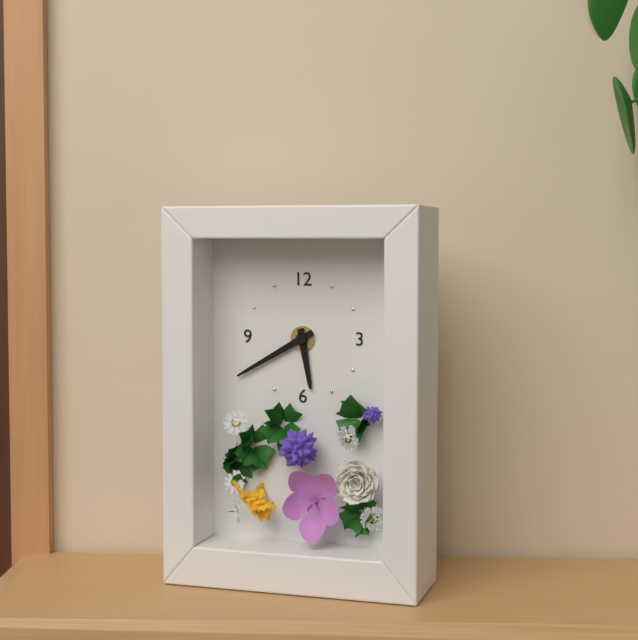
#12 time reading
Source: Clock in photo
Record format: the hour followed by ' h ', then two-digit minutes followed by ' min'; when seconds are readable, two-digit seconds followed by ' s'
5 h 40 min
